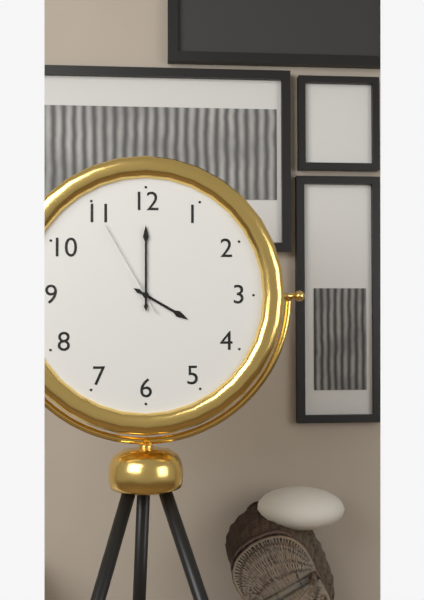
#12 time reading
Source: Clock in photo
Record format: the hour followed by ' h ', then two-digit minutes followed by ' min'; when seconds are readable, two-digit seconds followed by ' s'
4 h 00 min 55 s
